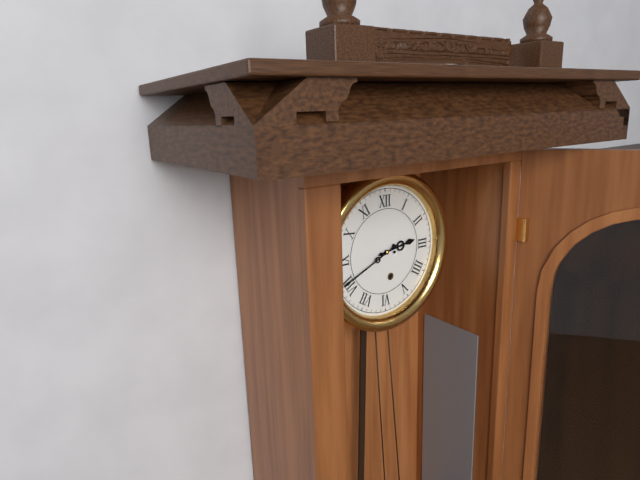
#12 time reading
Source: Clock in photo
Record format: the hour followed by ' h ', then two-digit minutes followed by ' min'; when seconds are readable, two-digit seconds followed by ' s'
2 h 41 min
